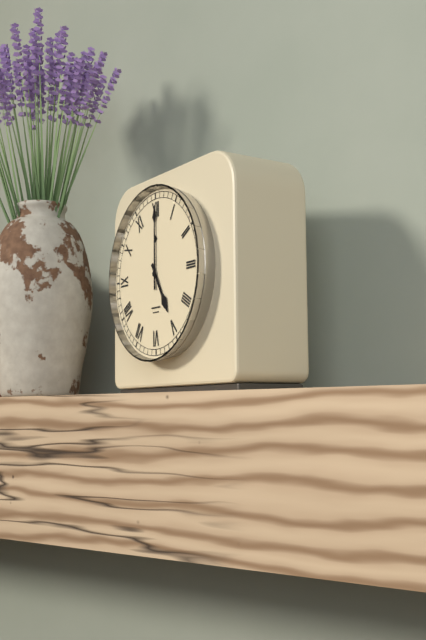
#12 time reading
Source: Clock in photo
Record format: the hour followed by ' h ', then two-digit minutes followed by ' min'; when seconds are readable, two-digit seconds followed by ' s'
5 h 00 min
